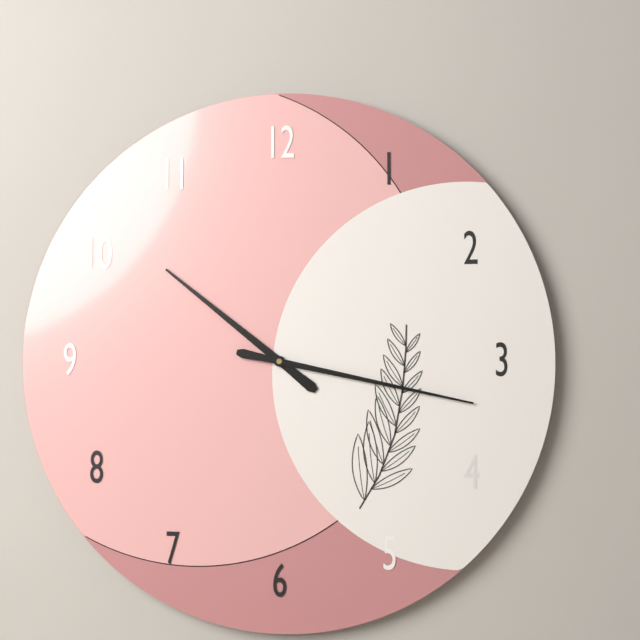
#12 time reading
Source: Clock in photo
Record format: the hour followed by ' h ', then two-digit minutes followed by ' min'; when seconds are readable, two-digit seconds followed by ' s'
10 h 17 min
